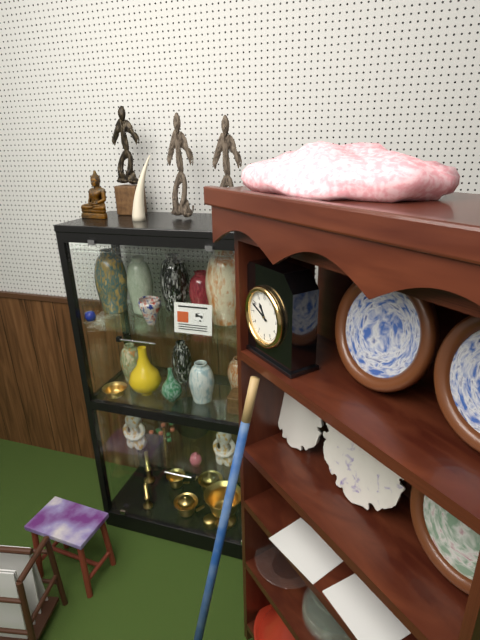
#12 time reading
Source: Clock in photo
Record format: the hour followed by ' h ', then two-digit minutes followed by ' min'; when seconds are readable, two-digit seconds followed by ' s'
10 h 49 min
